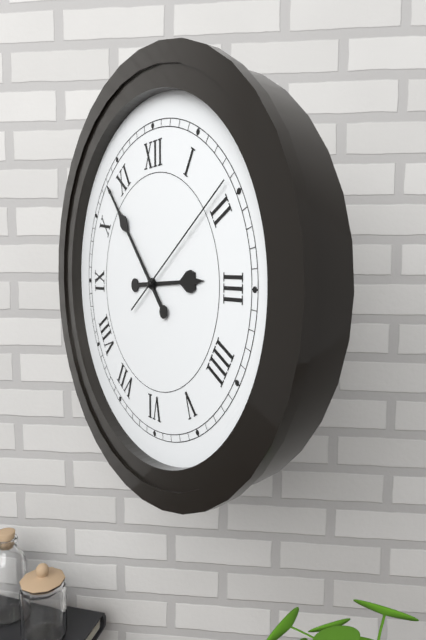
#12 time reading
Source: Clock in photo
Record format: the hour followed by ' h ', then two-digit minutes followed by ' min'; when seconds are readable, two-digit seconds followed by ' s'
2 h 53 min 09 s
